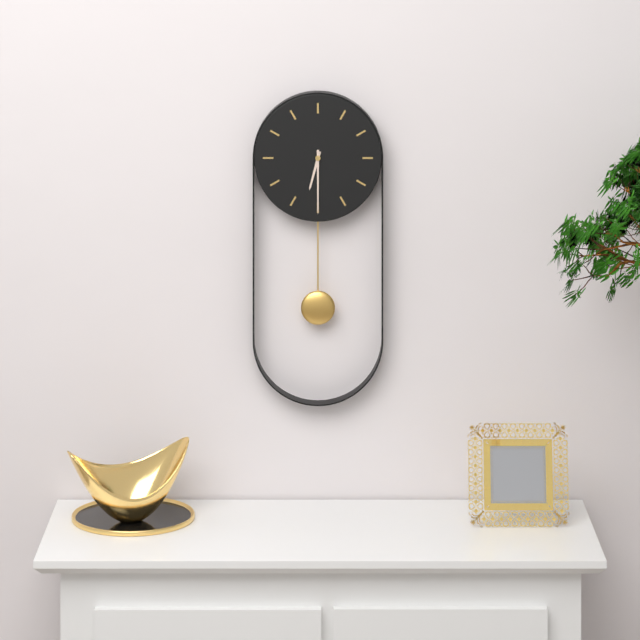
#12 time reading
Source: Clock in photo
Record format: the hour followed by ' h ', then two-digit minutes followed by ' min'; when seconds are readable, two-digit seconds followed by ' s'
6 h 30 min
